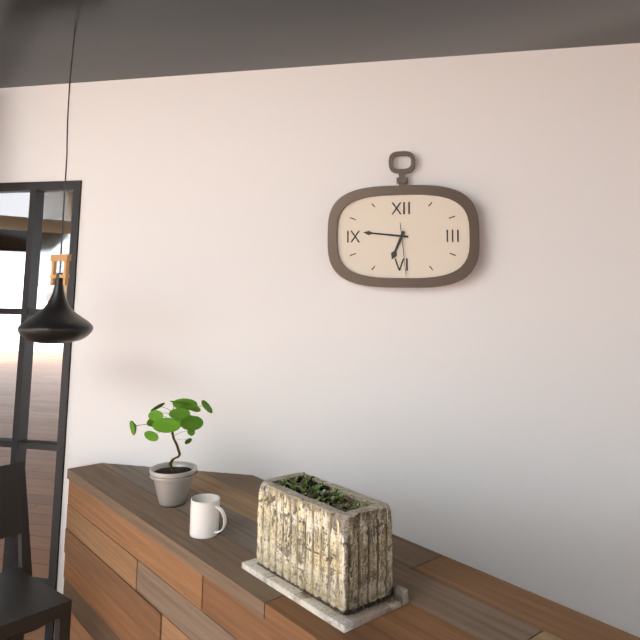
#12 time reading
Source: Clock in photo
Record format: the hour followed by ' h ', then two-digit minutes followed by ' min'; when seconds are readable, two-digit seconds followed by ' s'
6 h 46 min
